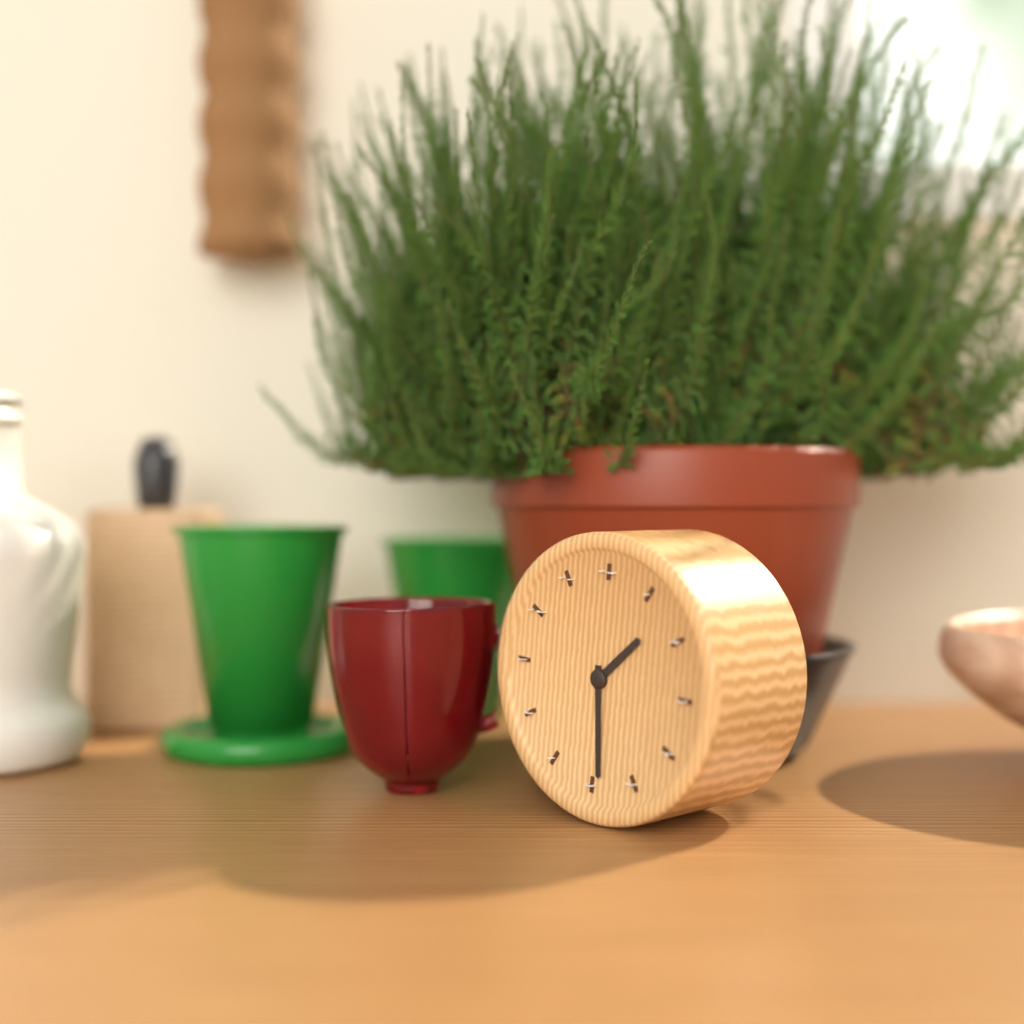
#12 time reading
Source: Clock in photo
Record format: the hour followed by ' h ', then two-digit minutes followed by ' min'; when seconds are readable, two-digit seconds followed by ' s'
1 h 29 min
